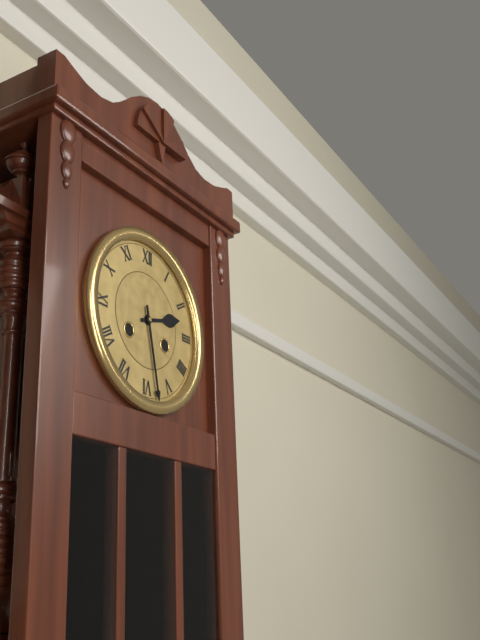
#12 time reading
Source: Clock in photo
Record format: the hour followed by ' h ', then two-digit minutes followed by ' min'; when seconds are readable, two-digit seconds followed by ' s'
2 h 28 min
